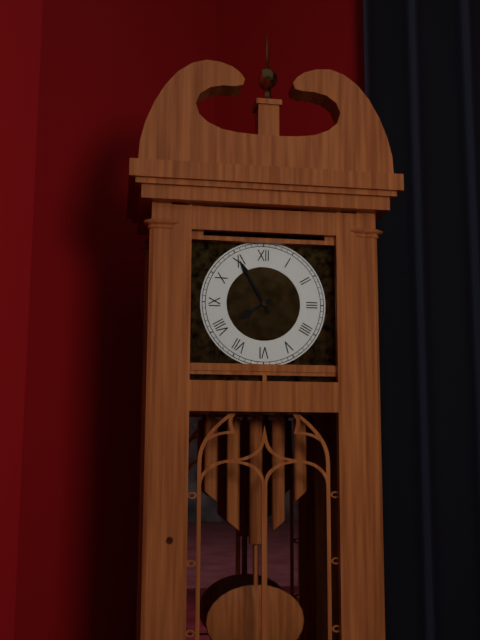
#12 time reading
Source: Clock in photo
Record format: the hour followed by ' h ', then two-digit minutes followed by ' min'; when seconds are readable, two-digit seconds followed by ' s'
7 h 55 min
